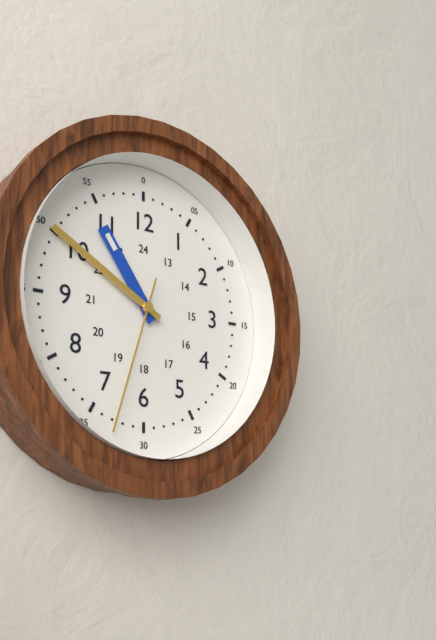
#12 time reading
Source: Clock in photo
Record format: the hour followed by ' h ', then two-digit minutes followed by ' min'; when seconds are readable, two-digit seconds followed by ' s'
10 h 50 min 33 s
